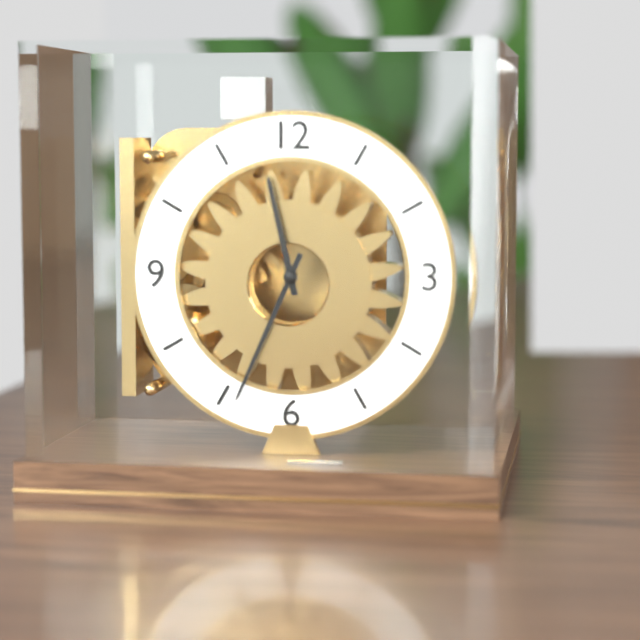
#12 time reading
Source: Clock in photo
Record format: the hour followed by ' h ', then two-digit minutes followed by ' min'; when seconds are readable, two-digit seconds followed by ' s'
11 h 34 min
